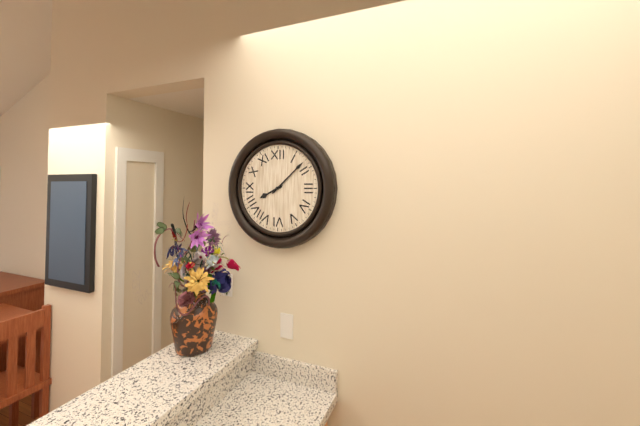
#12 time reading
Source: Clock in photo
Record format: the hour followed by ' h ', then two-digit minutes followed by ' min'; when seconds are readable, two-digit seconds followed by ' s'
8 h 08 min
